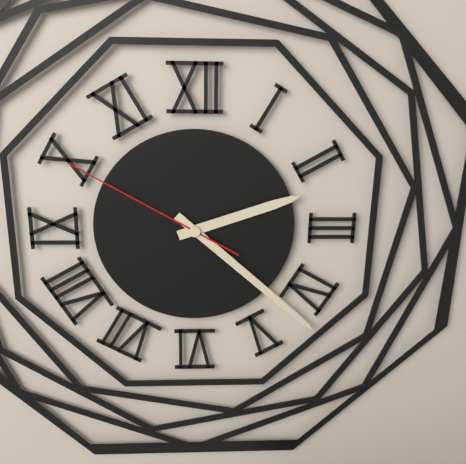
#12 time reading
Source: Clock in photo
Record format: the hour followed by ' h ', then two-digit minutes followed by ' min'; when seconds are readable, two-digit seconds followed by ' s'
2 h 22 min 50 s
